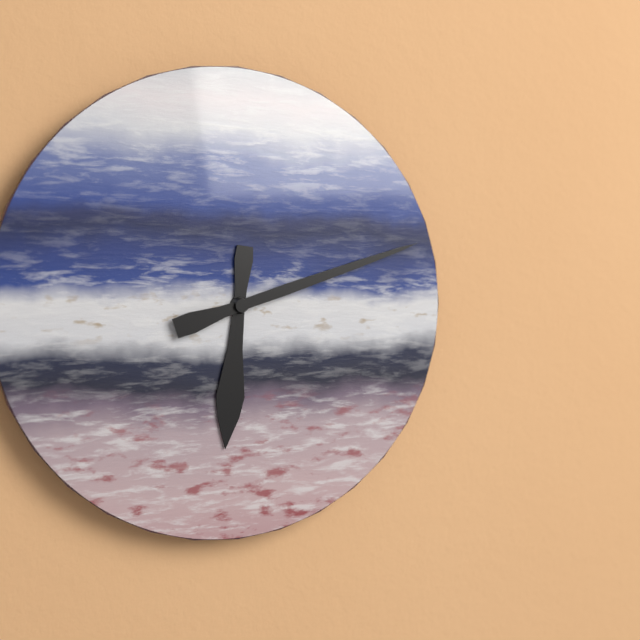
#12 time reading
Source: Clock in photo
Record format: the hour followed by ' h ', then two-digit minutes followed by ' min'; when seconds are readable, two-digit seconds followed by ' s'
6 h 12 min
